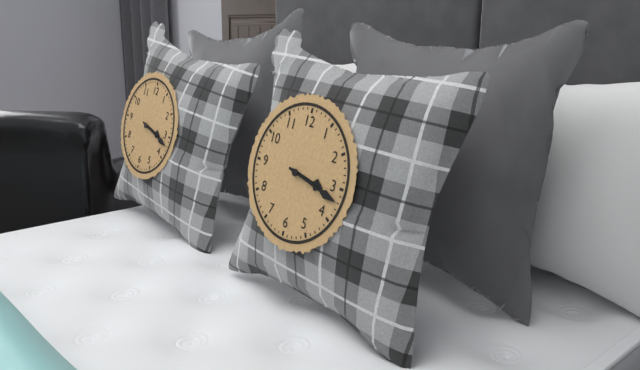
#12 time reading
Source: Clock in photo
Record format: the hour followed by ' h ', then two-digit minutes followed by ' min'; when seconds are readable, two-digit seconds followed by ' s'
3 h 17 min
